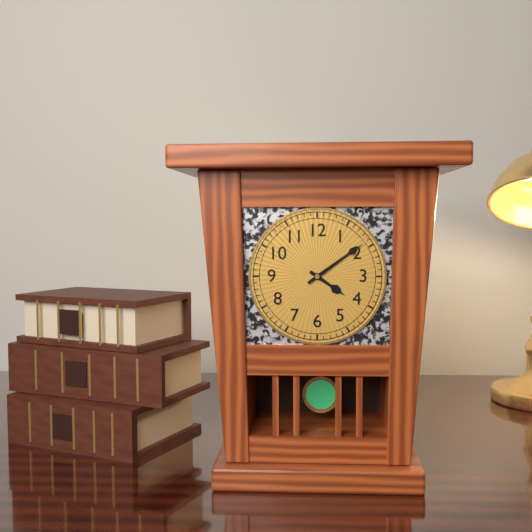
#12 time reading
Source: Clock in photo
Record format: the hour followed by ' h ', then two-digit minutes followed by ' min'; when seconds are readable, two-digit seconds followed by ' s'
4 h 09 min
